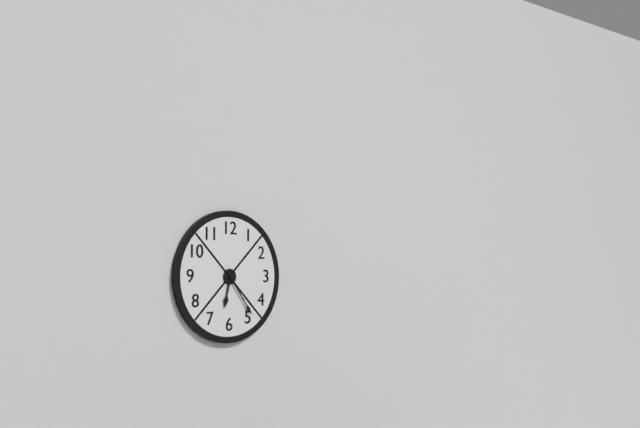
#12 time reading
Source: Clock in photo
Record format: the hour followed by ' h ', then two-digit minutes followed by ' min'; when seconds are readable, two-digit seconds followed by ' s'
6 h 24 min
